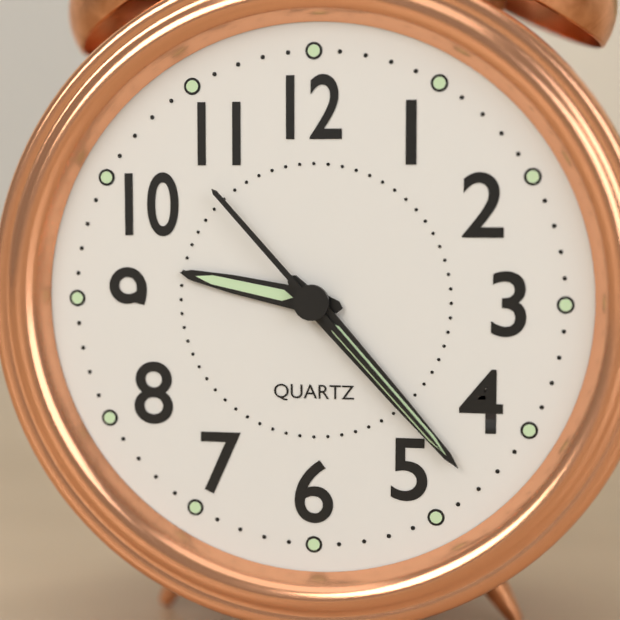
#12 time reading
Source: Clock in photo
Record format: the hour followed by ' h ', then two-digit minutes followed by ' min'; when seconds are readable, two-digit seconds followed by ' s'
9 h 23 min 23 s
